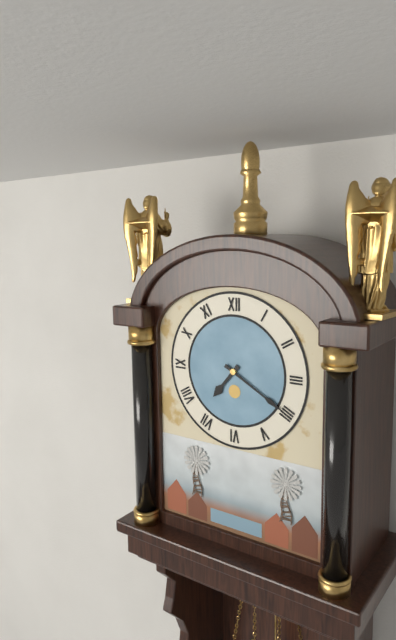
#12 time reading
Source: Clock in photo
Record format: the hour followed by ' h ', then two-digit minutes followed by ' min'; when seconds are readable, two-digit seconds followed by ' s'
7 h 20 min
